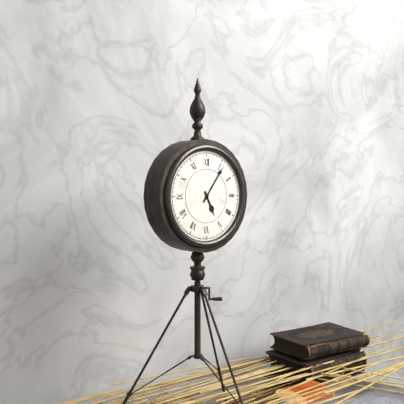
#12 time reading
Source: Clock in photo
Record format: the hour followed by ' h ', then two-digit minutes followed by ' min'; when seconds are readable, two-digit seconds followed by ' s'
5 h 06 min
